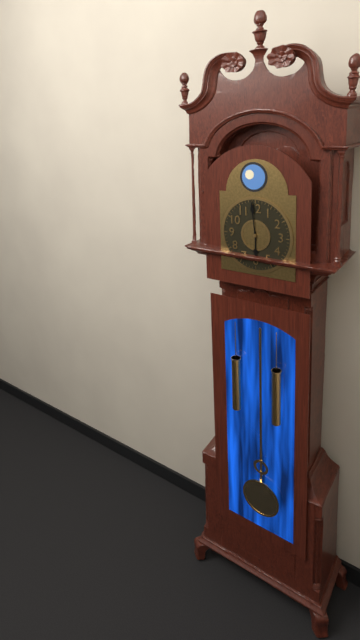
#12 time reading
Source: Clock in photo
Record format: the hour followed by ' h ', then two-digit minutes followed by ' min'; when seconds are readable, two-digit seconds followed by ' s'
5 h 59 min
